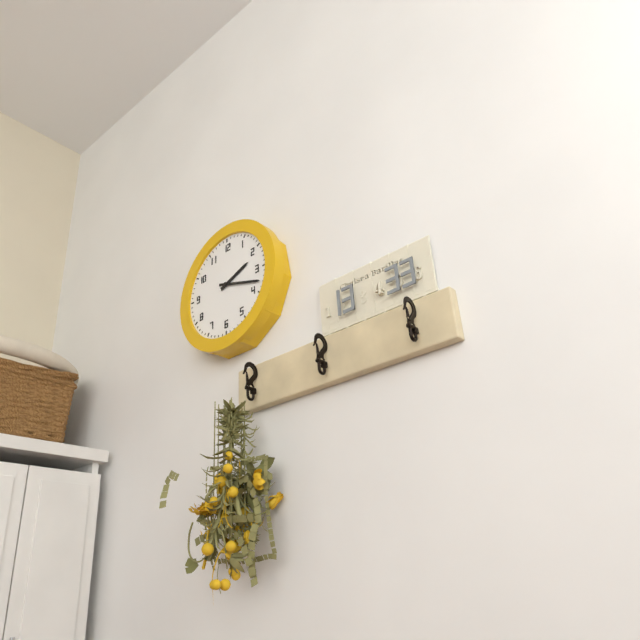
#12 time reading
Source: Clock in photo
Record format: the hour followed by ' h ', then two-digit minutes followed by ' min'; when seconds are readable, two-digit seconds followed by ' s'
2 h 18 min
